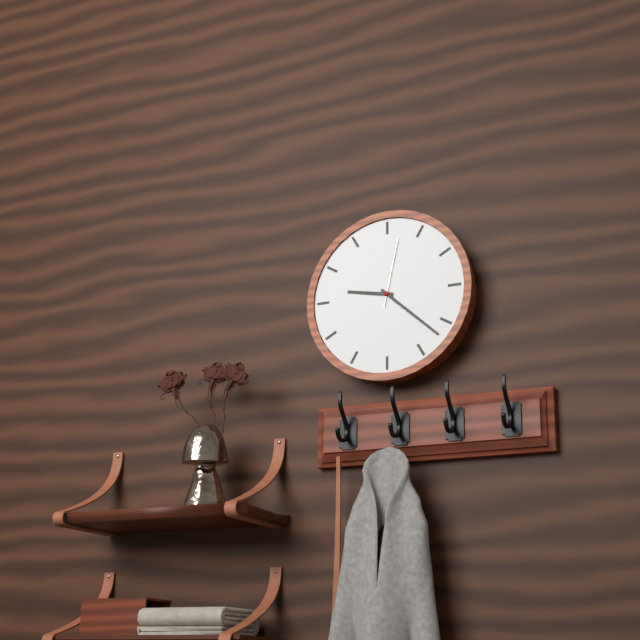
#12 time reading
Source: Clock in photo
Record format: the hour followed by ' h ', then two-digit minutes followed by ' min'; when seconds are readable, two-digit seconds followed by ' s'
9 h 22 min 02 s
